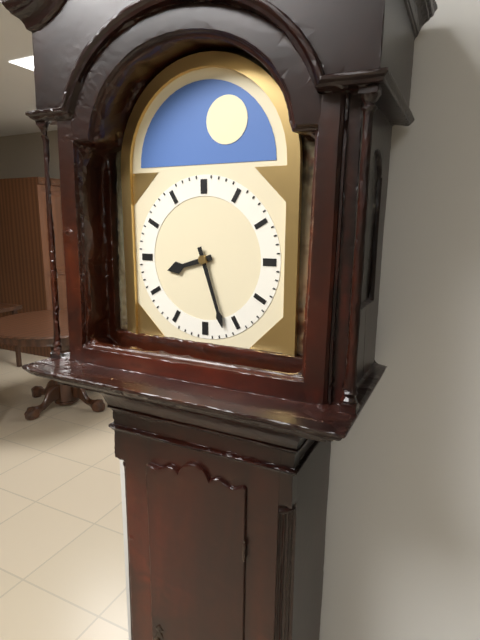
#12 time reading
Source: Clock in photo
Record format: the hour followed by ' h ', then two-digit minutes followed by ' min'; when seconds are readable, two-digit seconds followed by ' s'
8 h 27 min
